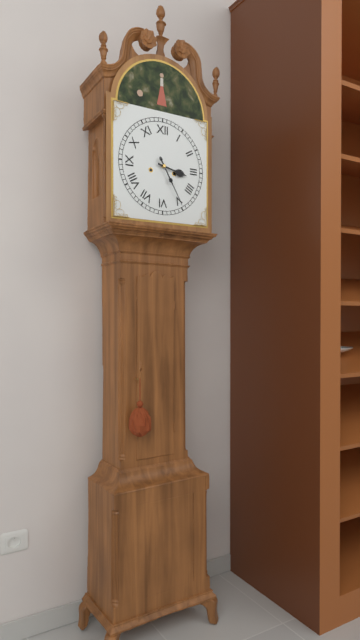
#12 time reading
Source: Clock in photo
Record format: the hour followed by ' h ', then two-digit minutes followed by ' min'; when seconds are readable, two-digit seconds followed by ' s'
3 h 25 min
